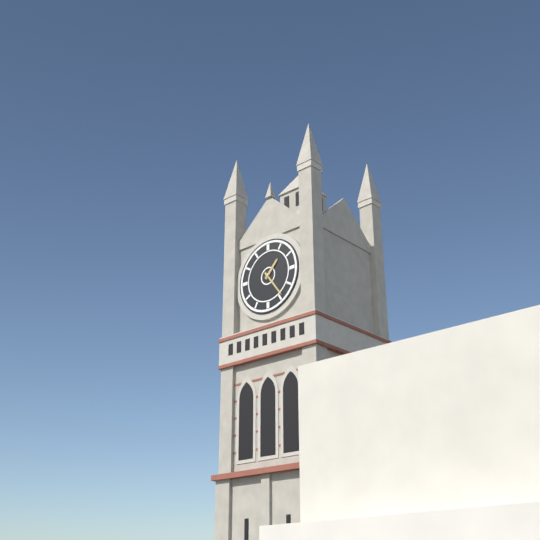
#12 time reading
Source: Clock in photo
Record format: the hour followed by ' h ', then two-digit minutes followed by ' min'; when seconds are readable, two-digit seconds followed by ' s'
1 h 24 min
